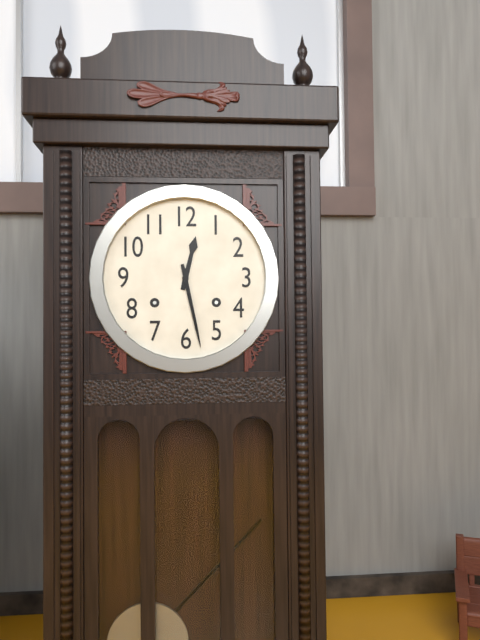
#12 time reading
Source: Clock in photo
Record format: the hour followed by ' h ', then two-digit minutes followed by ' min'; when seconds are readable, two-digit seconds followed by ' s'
12 h 28 min
